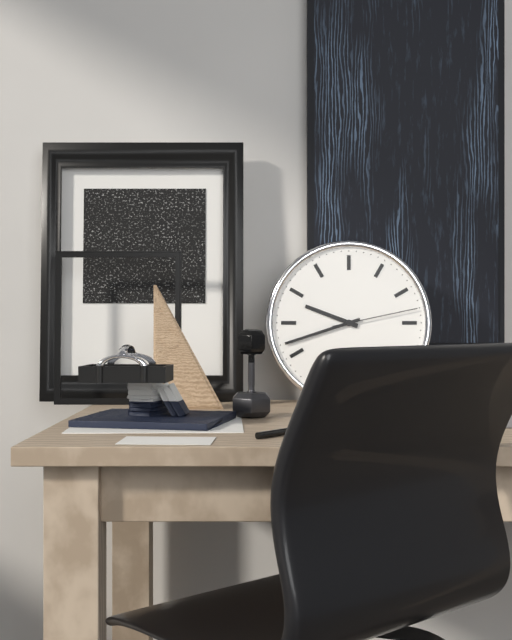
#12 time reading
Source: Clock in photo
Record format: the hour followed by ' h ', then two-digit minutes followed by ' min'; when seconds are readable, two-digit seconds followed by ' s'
9 h 42 min 13 s
